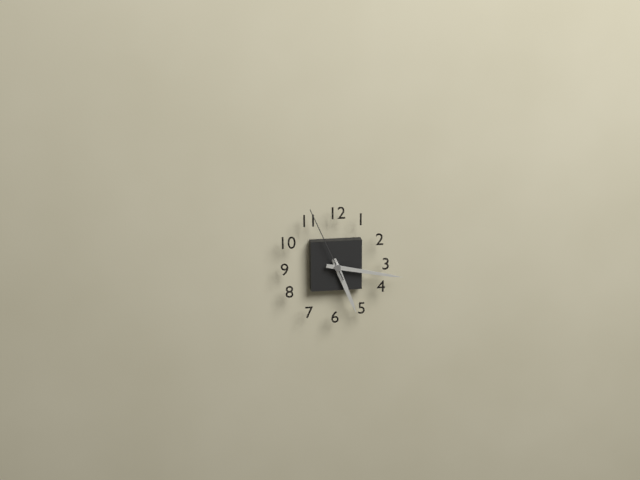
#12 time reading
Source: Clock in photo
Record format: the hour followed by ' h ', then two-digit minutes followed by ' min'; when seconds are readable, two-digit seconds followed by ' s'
5 h 17 min 56 s
